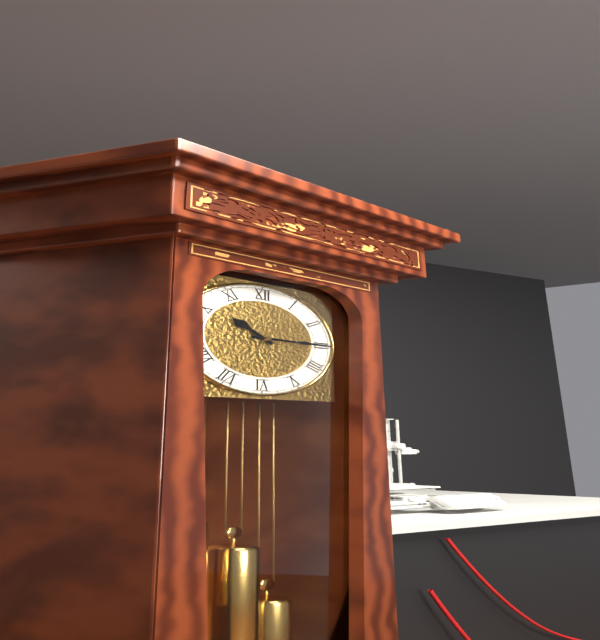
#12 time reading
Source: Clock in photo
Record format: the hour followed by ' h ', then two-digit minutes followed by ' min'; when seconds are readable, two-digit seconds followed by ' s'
10 h 15 min
